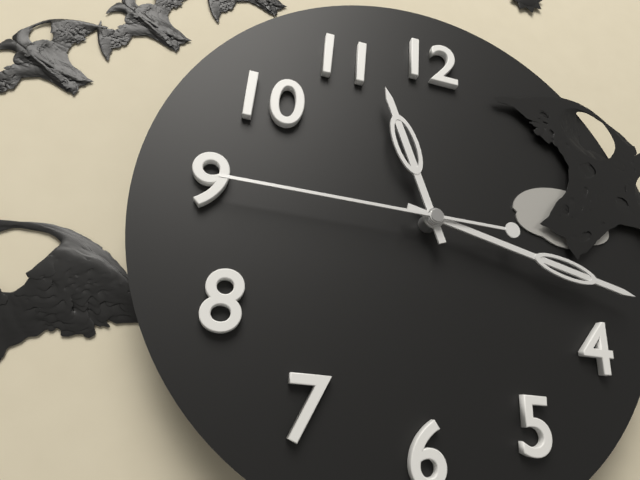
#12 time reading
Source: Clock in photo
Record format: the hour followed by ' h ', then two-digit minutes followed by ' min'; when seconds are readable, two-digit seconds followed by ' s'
11 h 17 min 45 s
